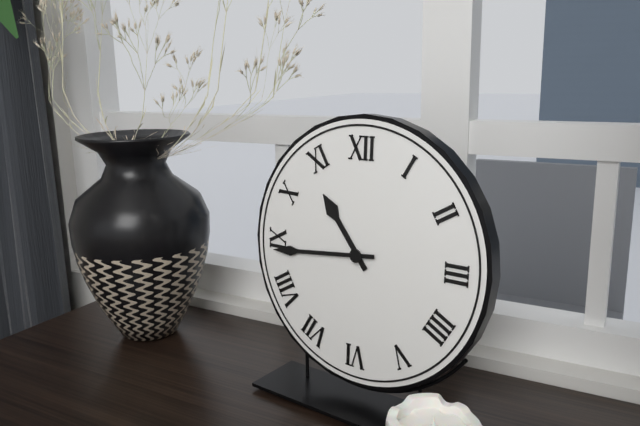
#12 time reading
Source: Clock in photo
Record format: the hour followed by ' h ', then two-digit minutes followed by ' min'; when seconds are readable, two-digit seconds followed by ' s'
10 h 44 min
